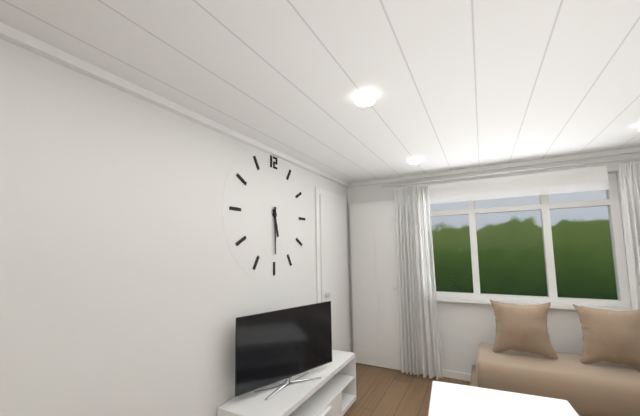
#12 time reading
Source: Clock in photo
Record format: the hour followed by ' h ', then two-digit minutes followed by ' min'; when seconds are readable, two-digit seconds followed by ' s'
5 h 30 min
